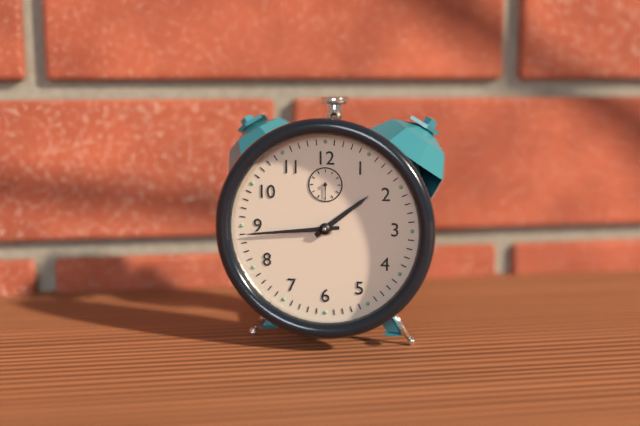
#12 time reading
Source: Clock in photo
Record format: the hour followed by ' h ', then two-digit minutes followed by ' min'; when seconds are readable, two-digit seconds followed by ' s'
1 h 44 min
